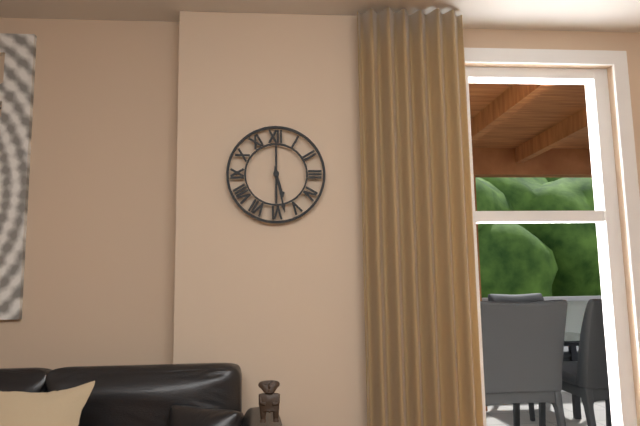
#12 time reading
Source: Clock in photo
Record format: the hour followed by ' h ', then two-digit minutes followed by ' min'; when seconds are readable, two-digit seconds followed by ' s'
5 h 28 min
